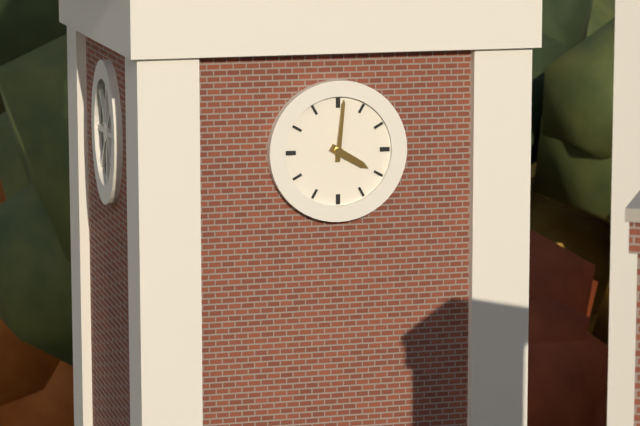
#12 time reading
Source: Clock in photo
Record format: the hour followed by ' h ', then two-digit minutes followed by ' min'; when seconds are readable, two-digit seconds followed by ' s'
4 h 01 min
